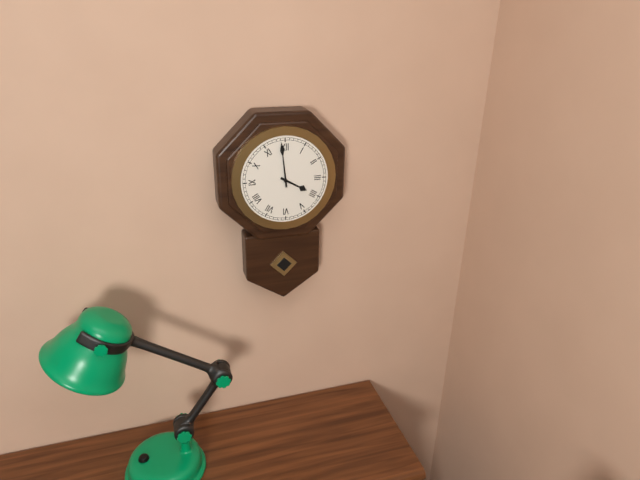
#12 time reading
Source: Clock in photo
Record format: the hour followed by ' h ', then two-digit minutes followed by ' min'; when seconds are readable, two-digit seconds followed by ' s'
3 h 59 min
